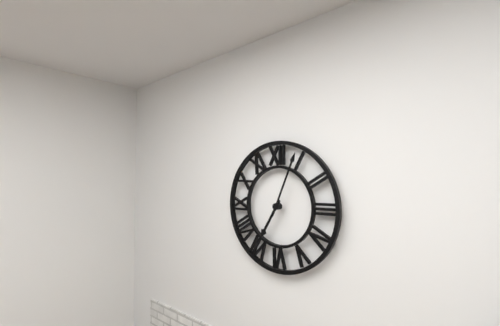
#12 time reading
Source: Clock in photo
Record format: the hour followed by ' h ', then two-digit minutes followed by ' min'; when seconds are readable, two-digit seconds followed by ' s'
7 h 04 min
